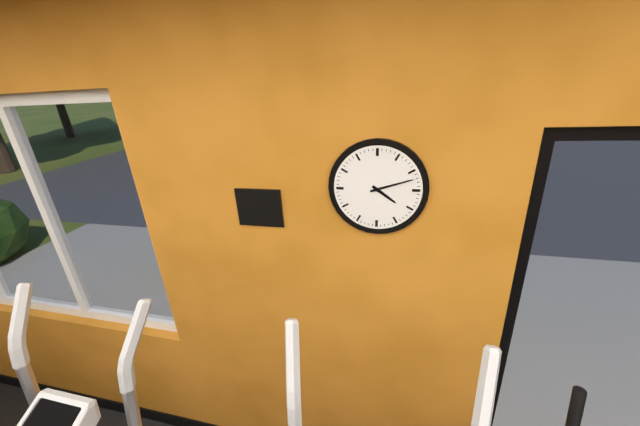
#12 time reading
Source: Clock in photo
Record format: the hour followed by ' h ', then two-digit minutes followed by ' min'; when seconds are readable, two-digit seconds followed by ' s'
4 h 12 min
